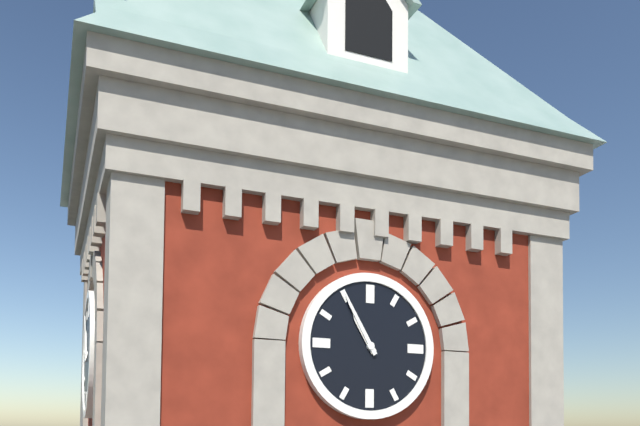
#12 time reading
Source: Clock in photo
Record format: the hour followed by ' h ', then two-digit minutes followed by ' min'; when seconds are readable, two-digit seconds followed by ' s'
10 h 55 min
